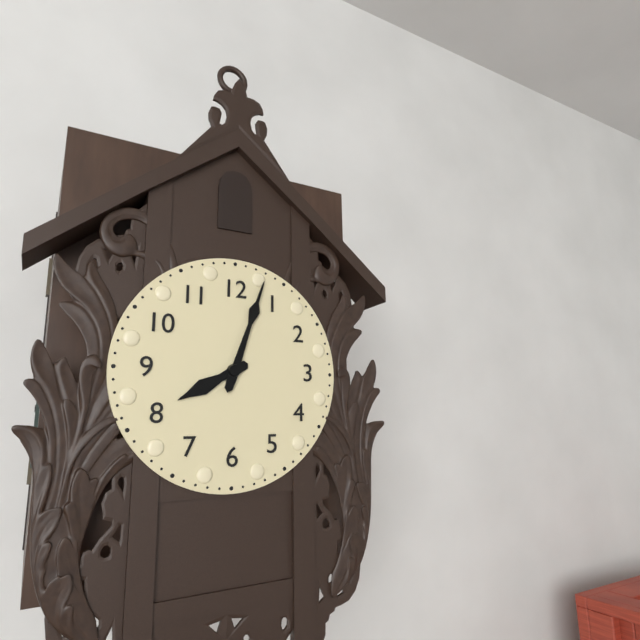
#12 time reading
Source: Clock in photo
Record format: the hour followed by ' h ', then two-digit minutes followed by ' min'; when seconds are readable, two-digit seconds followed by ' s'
8 h 03 min
